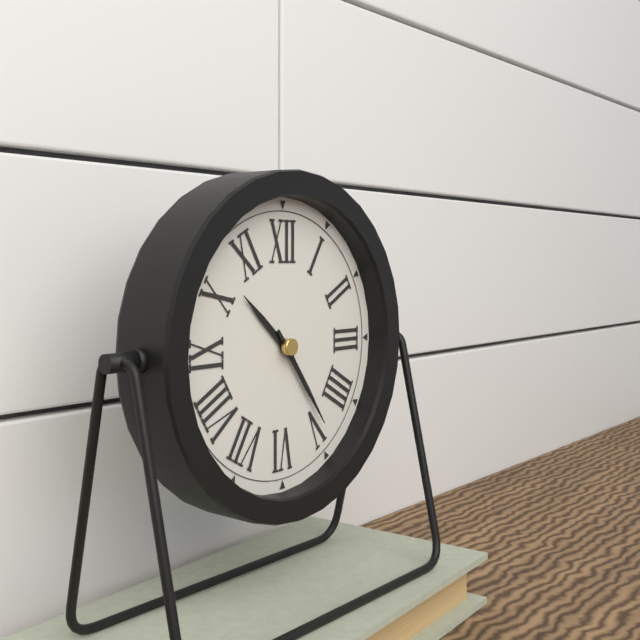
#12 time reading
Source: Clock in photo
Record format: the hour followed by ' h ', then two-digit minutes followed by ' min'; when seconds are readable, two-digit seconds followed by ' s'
10 h 24 min
